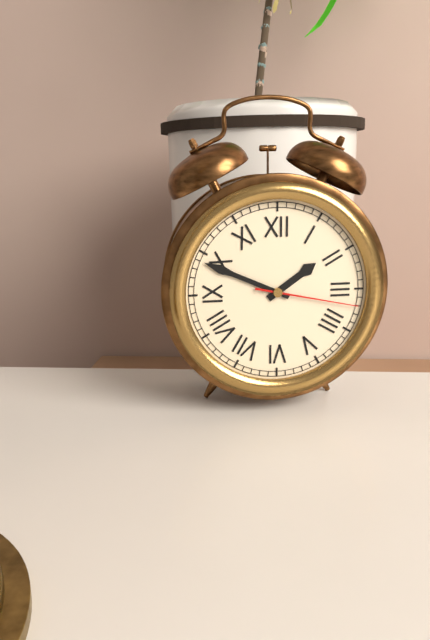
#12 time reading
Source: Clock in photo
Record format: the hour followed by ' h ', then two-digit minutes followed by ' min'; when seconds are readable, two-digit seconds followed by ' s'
1 h 49 min 17 s
